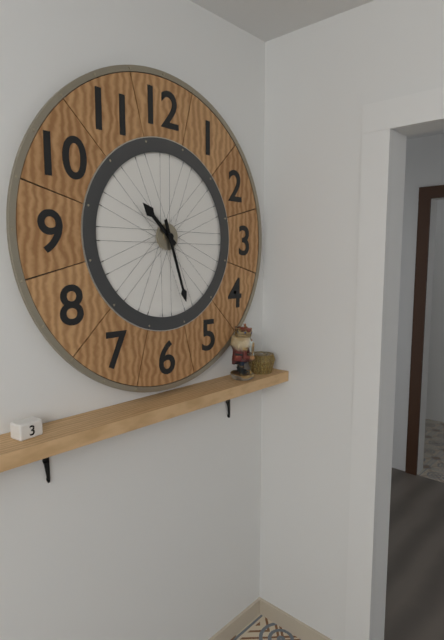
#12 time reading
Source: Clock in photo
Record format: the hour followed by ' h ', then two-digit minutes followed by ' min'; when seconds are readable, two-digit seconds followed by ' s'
10 h 27 min
